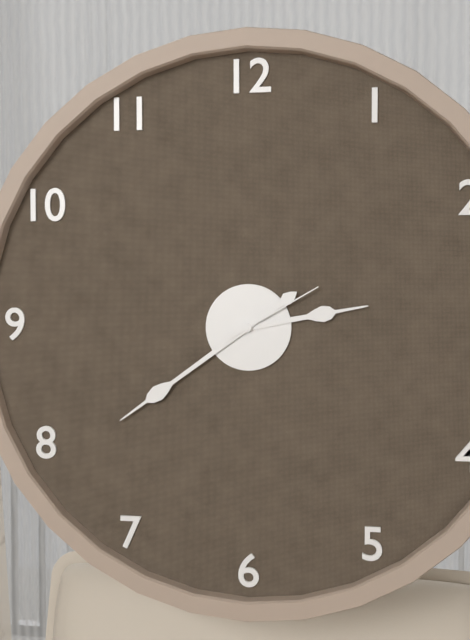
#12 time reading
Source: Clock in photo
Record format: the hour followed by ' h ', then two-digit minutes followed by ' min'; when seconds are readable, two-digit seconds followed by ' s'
2 h 39 min 10 s
